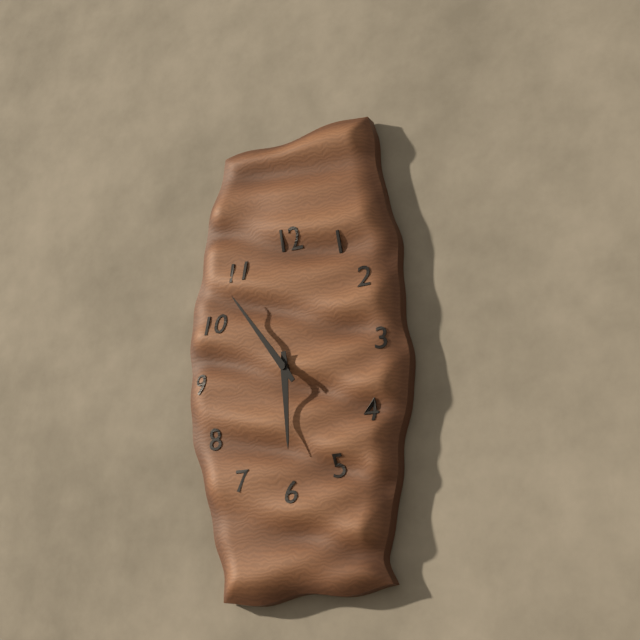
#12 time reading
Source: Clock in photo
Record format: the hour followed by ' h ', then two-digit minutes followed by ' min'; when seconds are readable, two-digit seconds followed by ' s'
5 h 54 min
